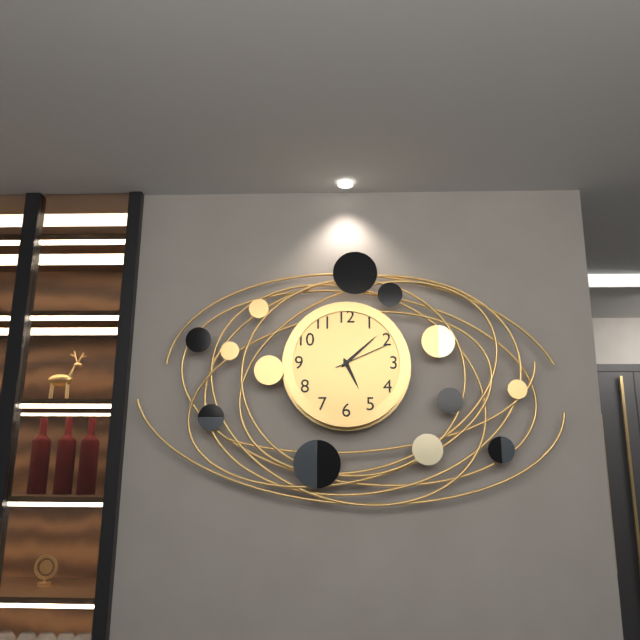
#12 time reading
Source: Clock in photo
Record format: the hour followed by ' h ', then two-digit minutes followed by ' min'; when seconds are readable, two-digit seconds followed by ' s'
5 h 08 min 11 s
